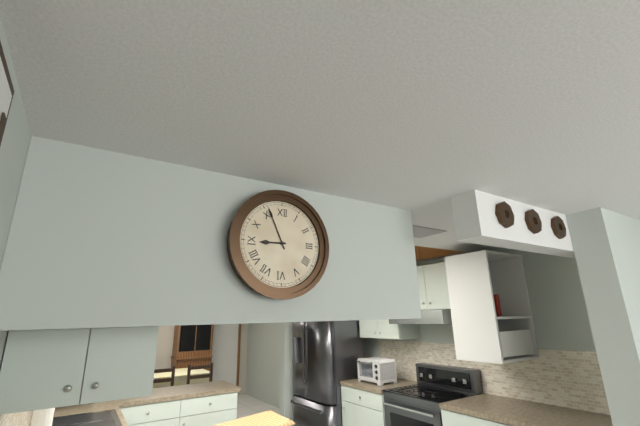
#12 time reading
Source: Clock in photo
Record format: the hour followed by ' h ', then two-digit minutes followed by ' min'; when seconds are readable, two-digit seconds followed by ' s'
8 h 56 min
